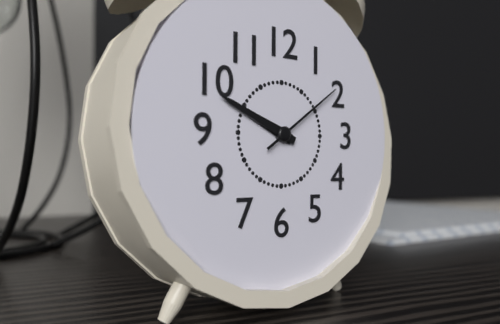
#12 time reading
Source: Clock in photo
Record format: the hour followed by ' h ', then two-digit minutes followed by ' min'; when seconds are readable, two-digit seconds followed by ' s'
9 h 49 min 09 s
